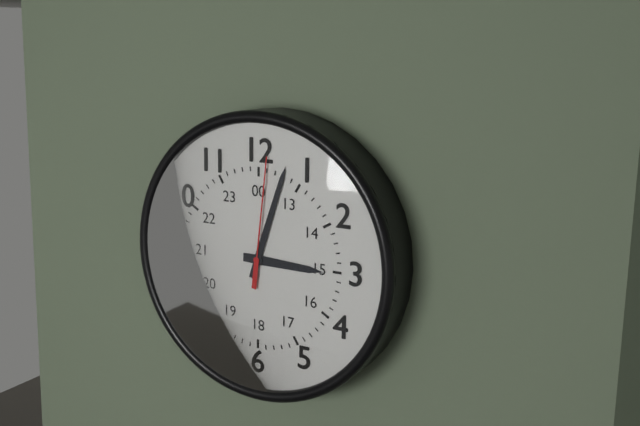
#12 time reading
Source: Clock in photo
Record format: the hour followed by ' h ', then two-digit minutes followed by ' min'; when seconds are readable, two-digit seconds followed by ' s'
3 h 03 min 01 s
